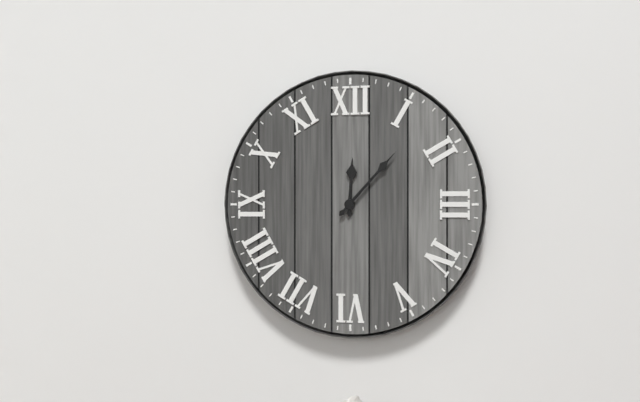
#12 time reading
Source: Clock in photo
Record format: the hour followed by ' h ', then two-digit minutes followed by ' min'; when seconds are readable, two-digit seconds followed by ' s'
12 h 07 min
